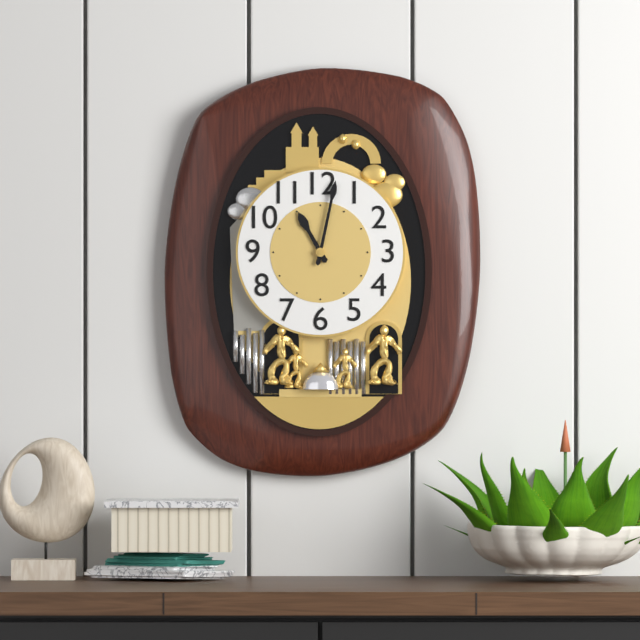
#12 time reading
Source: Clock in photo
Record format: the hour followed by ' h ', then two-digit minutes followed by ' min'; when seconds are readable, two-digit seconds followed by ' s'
11 h 02 min
